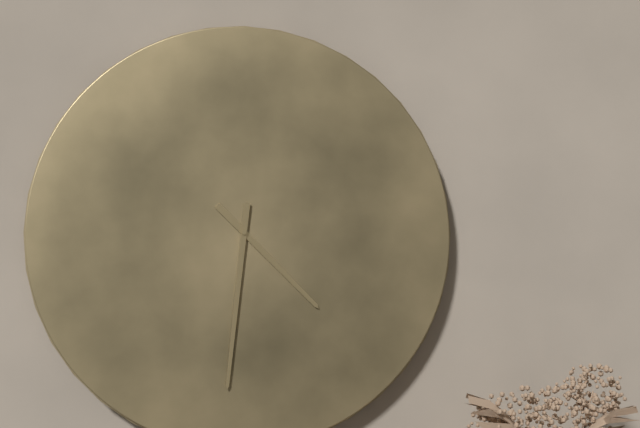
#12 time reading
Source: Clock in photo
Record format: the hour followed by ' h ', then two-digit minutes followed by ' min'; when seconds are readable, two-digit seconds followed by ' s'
4 h 31 min
